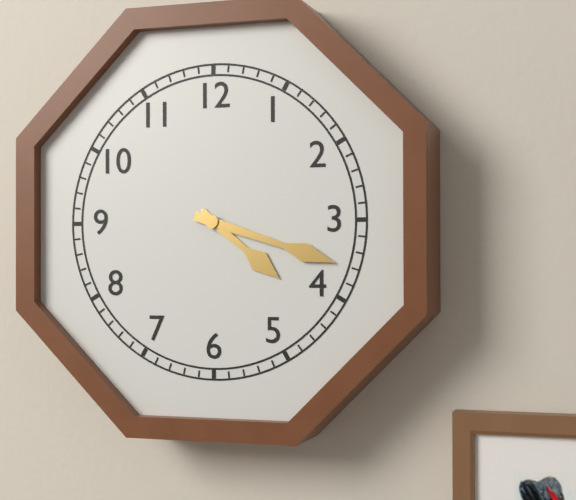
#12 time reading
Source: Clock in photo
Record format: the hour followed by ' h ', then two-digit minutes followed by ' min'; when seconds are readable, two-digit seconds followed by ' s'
4 h 18 min
